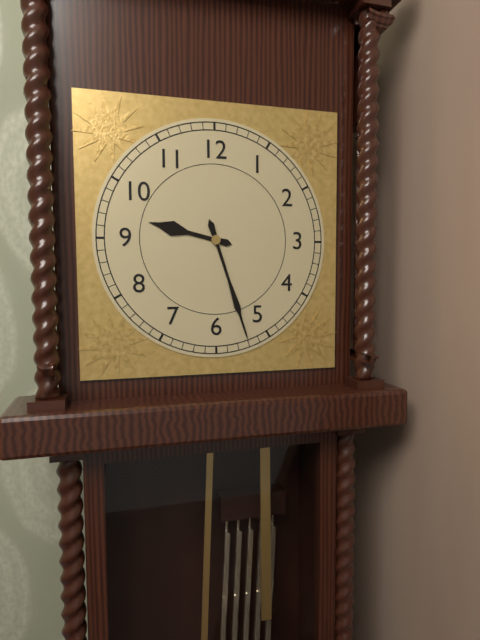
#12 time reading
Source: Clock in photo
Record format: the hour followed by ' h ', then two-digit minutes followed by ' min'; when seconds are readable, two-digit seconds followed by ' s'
9 h 27 min
